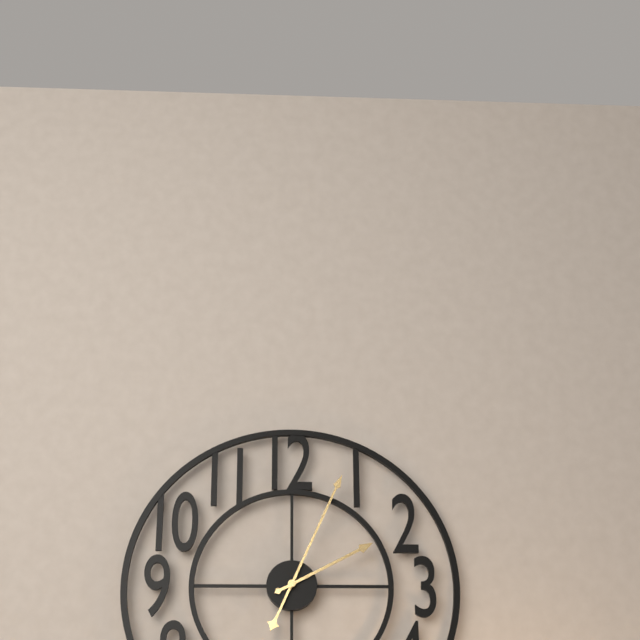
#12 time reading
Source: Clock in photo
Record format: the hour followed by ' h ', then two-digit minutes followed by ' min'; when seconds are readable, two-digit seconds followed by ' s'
2 h 04 min
